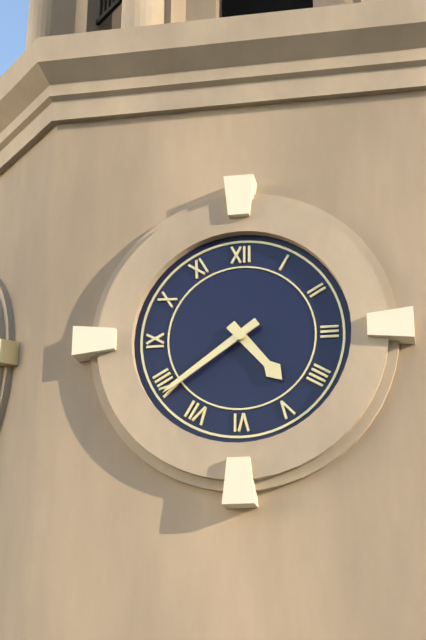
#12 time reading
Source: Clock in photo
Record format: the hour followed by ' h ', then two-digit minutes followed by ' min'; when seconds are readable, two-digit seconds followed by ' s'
4 h 39 min
